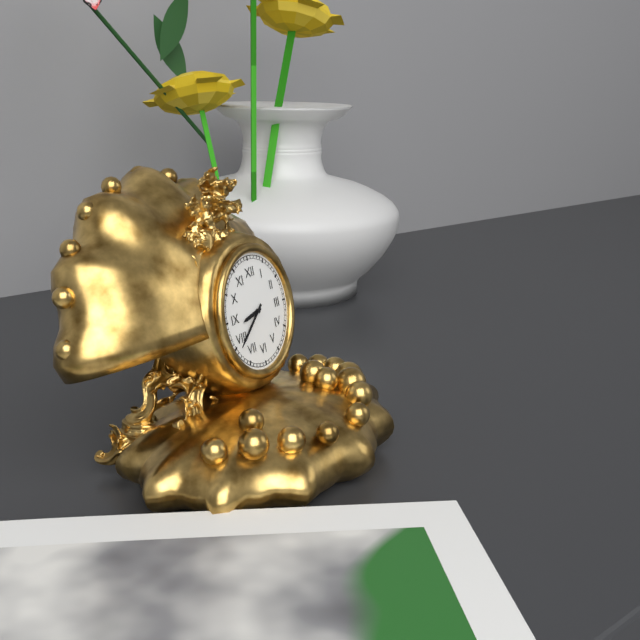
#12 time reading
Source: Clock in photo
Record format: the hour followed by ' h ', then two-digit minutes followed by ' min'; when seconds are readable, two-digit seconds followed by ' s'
8 h 39 min
